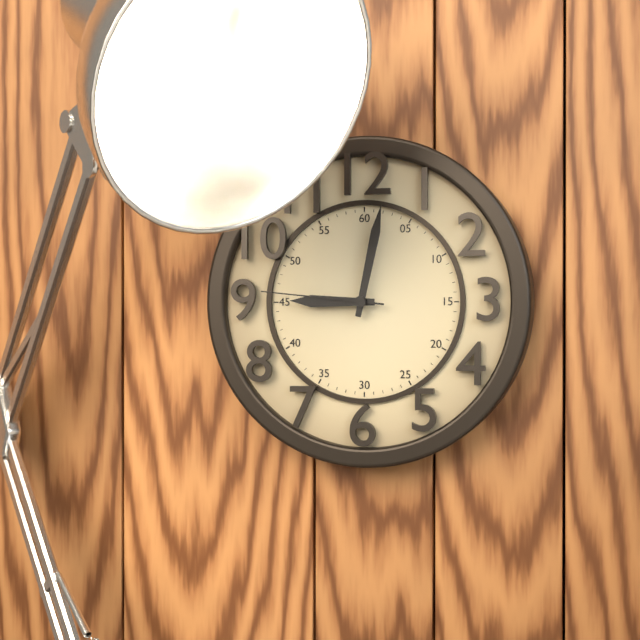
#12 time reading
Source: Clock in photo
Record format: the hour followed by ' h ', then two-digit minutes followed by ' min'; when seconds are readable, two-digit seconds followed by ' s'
9 h 02 min 46 s
